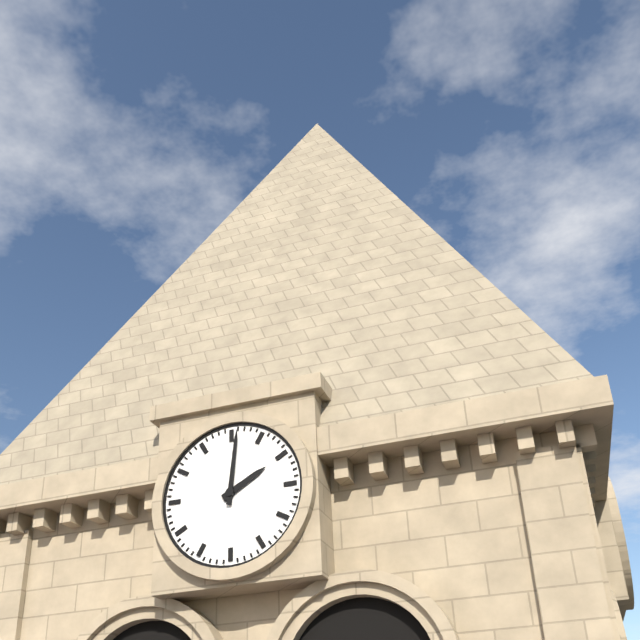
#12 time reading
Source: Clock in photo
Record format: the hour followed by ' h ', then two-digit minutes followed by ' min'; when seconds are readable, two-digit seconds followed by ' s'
2 h 01 min
